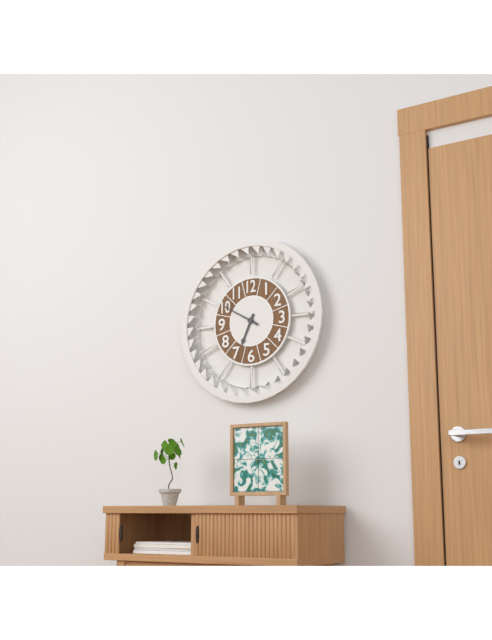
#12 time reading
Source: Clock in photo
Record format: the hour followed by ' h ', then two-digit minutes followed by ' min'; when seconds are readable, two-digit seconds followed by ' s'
6 h 50 min
